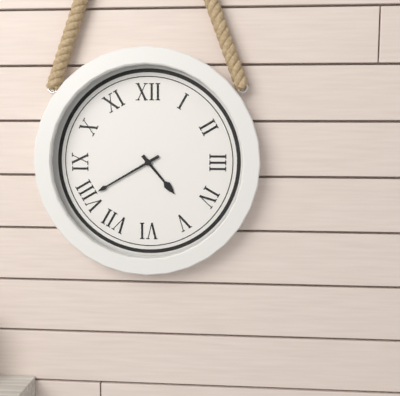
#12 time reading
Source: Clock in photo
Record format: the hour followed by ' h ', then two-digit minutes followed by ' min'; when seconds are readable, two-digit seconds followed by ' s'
4 h 40 min
